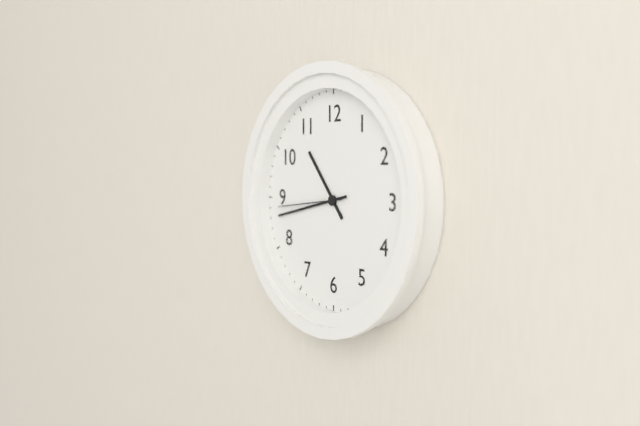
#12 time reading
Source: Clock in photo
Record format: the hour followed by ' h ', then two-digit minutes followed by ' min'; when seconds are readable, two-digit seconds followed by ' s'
10 h 43 min 44 s
